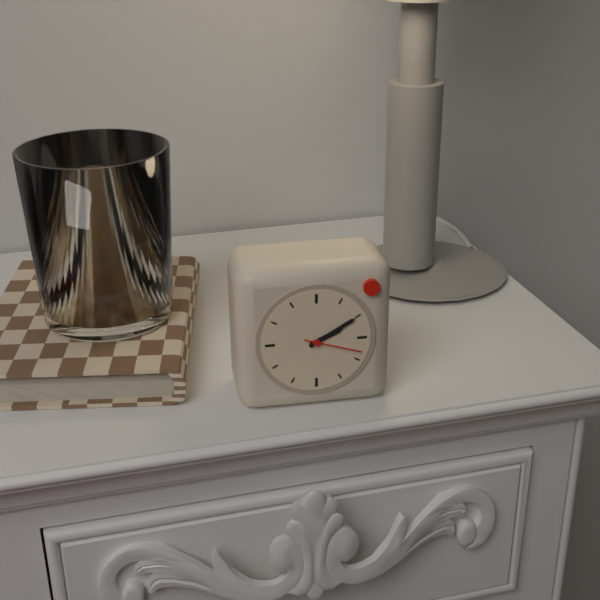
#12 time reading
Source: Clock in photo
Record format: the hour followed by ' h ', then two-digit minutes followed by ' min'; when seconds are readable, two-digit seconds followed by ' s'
2 h 10 min 18 s
